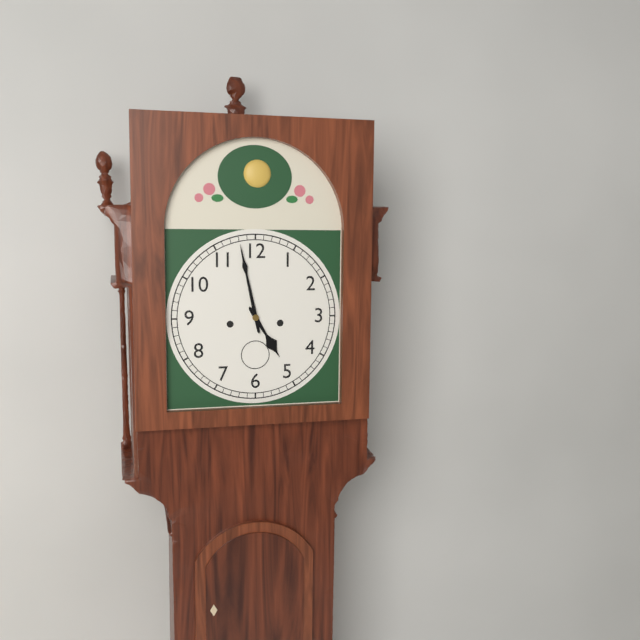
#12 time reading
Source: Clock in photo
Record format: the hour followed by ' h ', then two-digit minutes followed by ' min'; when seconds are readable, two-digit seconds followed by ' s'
4 h 58 min
